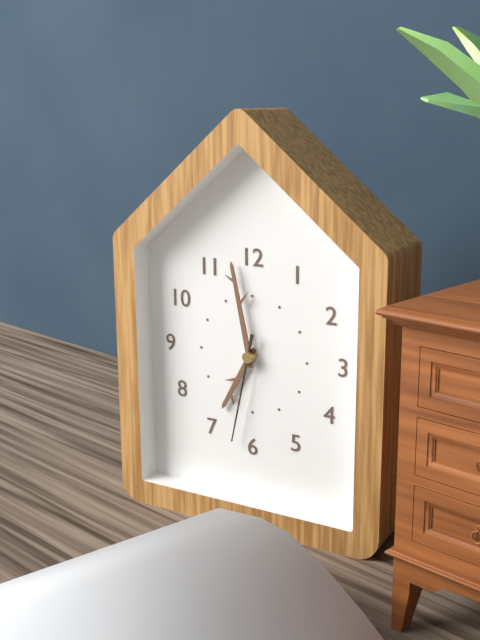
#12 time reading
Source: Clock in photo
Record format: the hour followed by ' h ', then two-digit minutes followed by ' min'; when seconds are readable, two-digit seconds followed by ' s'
6 h 58 min 32 s
